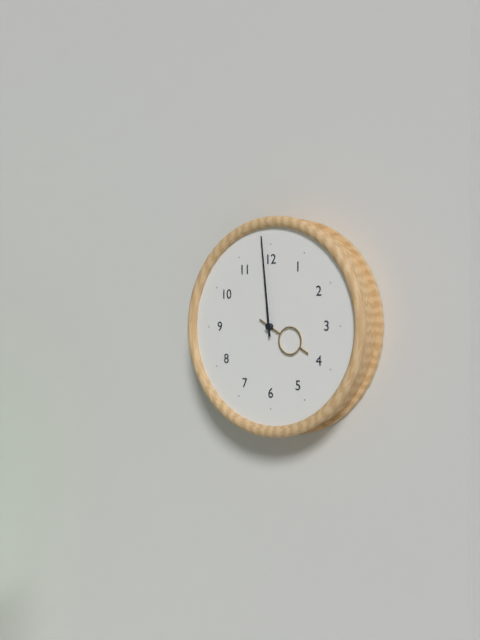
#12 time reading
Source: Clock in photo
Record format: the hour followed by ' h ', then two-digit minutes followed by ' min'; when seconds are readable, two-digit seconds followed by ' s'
3 h 59 min
